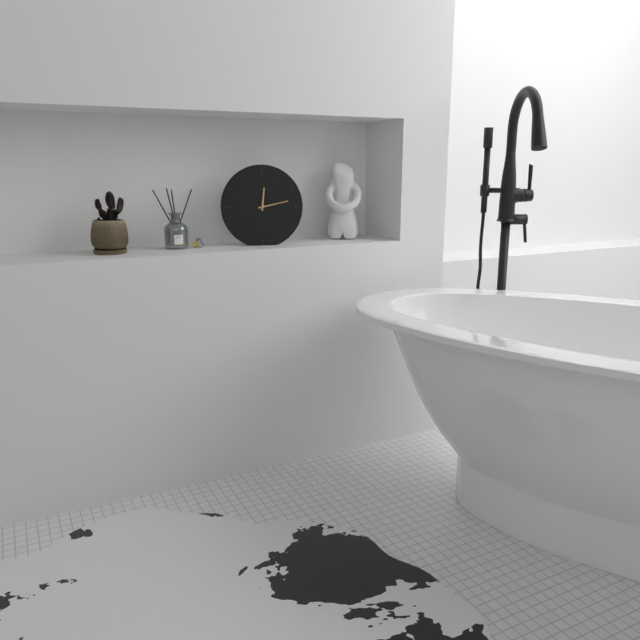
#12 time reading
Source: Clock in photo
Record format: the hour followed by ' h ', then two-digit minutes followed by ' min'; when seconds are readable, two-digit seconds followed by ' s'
12 h 13 min
